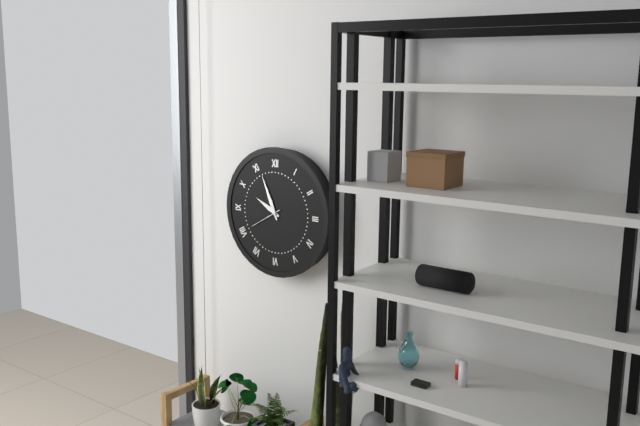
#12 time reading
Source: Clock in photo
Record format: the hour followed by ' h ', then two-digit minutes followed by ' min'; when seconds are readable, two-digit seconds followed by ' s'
9 h 56 min
